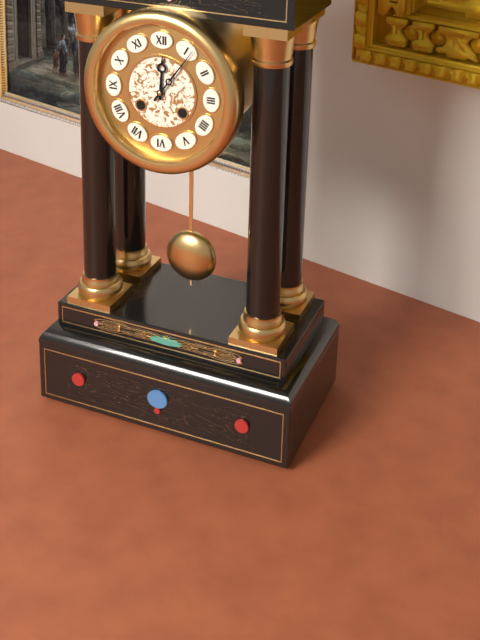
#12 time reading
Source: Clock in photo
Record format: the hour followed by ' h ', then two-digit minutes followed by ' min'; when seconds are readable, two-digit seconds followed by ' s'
12 h 06 min
